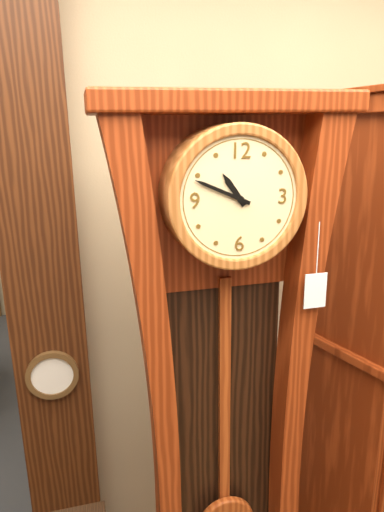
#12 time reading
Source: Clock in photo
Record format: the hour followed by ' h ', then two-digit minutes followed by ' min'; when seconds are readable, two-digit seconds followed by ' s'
10 h 49 min
